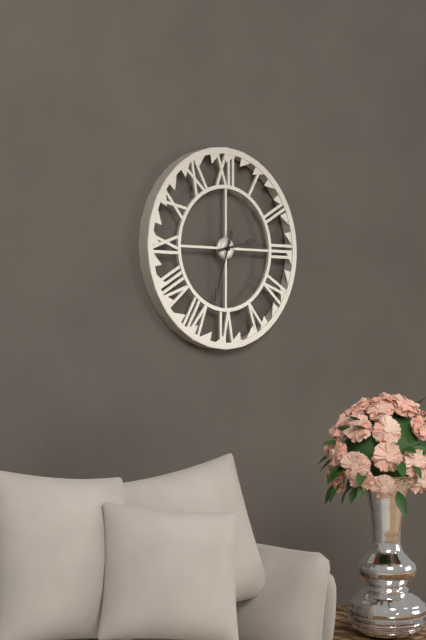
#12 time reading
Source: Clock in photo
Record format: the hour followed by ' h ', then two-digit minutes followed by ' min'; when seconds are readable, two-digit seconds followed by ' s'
2 h 33 min
